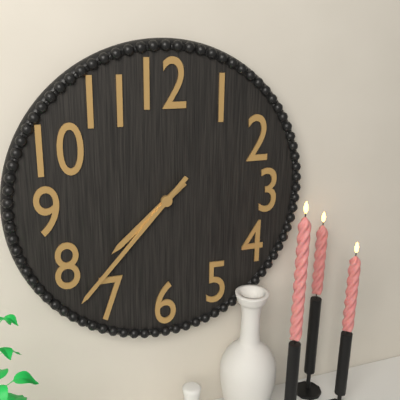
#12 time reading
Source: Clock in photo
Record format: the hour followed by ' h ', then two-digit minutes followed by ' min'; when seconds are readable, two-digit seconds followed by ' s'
7 h 37 min
